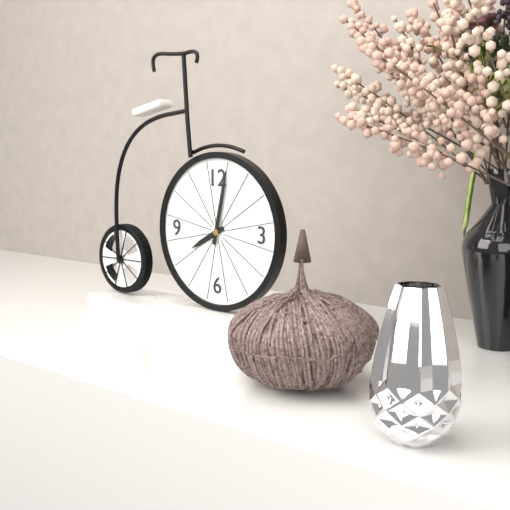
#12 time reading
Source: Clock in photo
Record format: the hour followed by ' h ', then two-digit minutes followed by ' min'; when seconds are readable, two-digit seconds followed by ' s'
8 h 02 min
